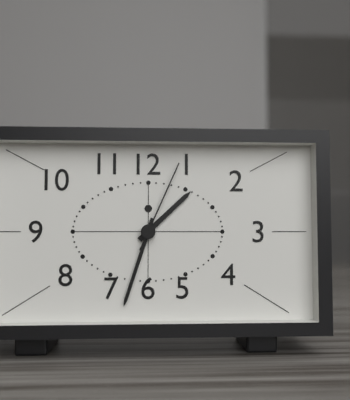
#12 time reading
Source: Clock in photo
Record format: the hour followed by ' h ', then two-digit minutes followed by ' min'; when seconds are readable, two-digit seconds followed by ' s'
1 h 33 min 04 s
